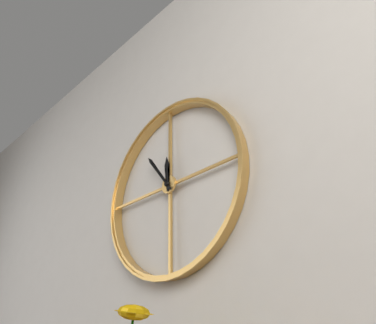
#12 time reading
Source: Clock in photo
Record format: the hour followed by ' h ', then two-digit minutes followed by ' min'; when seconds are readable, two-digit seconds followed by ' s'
11 h 54 min
